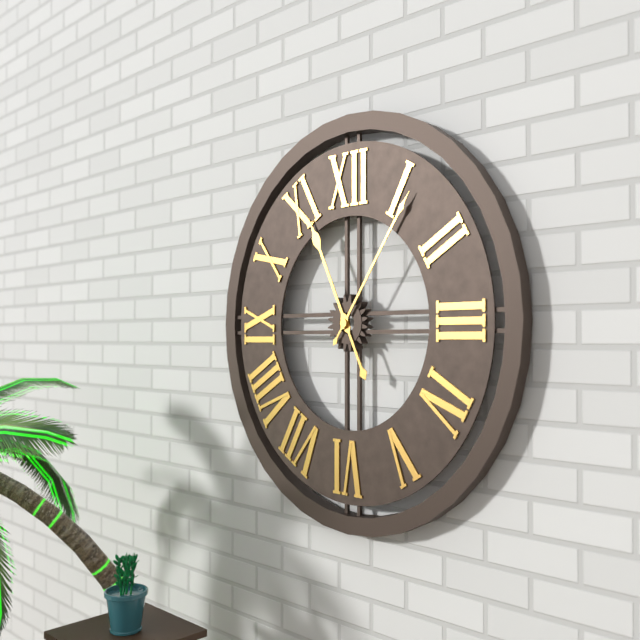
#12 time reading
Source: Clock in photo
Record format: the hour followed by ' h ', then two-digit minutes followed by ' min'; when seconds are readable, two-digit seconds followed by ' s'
11 h 06 min
